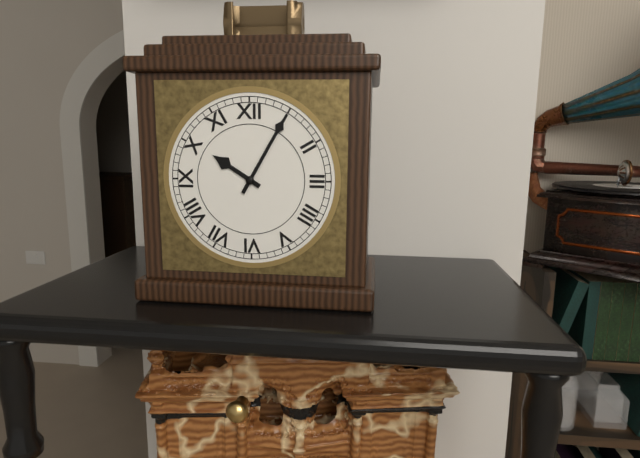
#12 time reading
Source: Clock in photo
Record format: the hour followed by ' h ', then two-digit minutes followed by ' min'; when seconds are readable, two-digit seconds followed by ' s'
10 h 05 min
